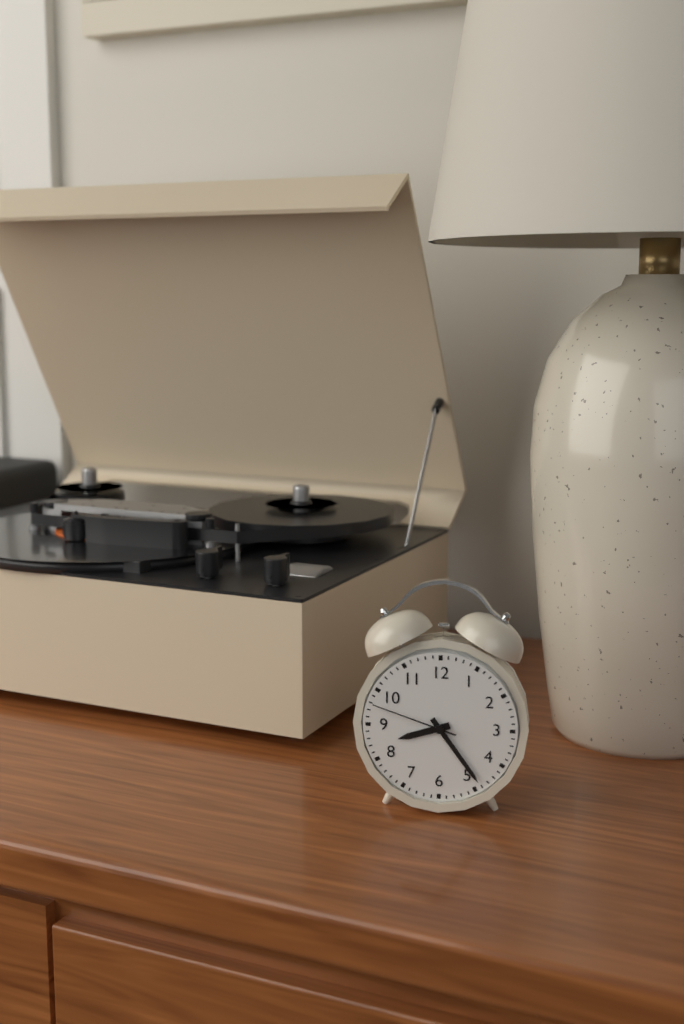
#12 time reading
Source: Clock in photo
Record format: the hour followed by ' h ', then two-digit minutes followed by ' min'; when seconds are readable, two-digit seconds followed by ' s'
8 h 24 min 48 s
